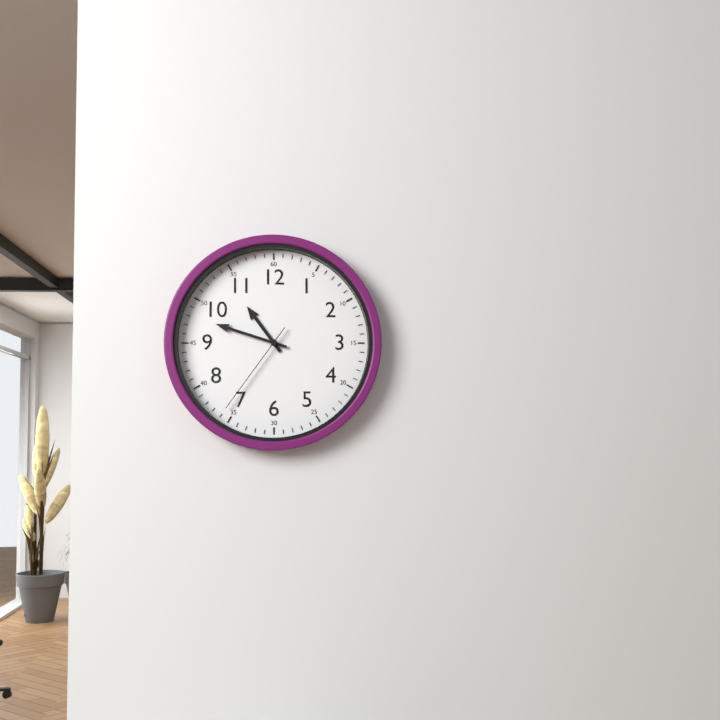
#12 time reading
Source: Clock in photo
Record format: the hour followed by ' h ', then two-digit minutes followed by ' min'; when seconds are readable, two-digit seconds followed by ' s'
10 h 48 min 36 s
